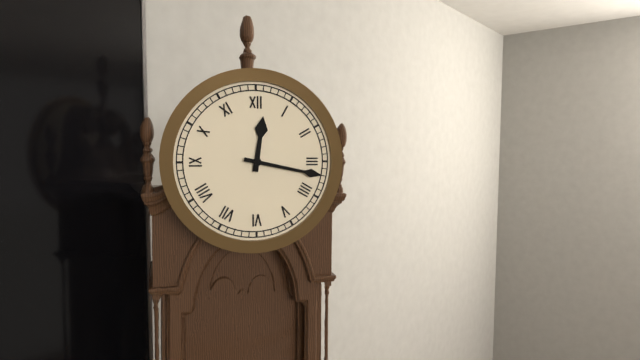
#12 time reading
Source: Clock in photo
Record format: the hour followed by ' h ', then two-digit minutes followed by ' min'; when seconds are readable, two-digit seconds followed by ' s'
12 h 17 min
